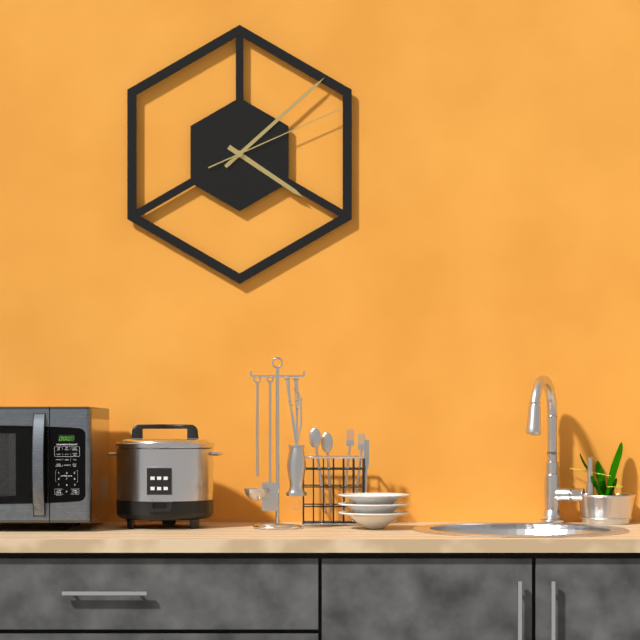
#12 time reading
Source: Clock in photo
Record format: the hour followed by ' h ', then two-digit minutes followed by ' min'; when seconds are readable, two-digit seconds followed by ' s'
4 h 08 min 11 s
